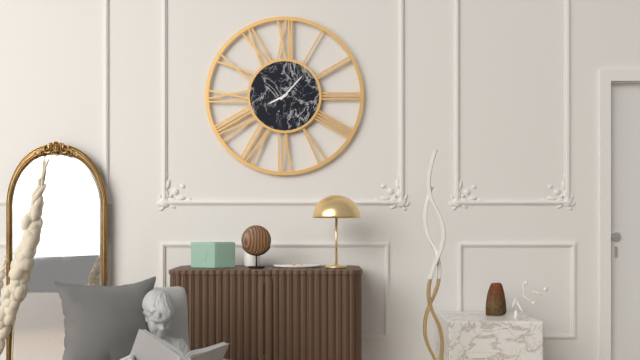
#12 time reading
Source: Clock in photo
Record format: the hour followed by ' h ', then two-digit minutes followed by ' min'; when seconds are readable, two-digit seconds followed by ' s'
8 h 07 min
